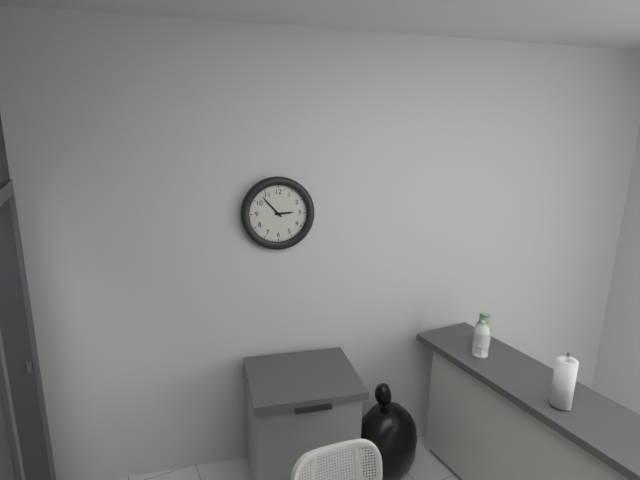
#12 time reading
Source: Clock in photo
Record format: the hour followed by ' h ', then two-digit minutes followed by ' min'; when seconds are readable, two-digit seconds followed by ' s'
2 h 53 min
